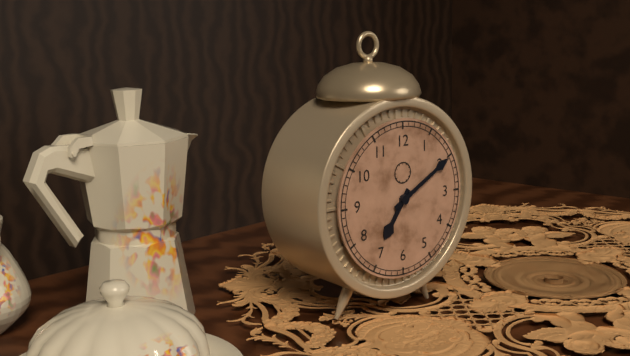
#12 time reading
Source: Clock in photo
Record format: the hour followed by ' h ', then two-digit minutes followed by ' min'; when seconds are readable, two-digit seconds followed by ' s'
7 h 10 min
